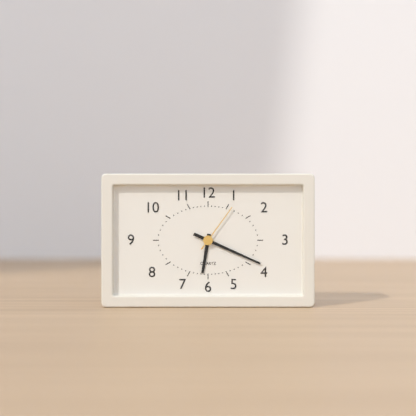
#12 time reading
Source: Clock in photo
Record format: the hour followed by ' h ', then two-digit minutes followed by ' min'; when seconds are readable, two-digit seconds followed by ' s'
6 h 19 min 06 s
